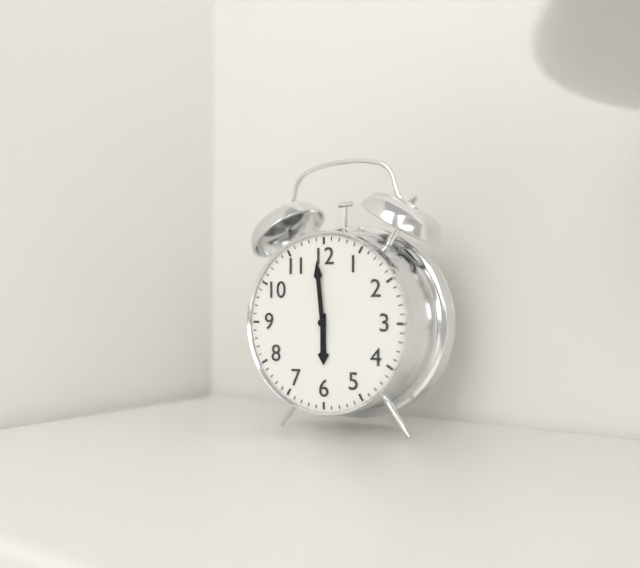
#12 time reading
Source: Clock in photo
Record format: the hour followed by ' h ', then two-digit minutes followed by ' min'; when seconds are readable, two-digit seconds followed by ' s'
5 h 59 min
